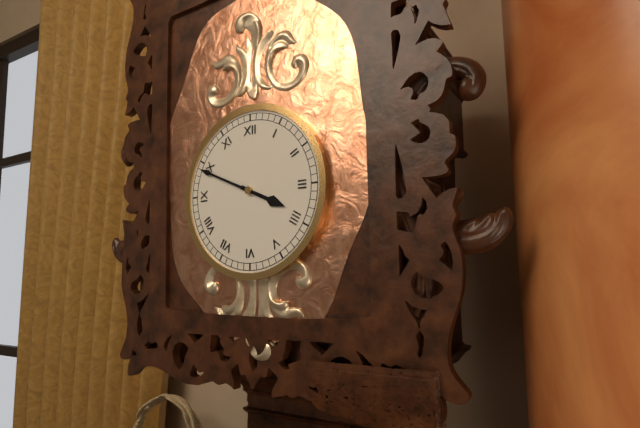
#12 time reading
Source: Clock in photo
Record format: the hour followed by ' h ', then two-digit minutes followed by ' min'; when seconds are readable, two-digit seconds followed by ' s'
3 h 49 min
